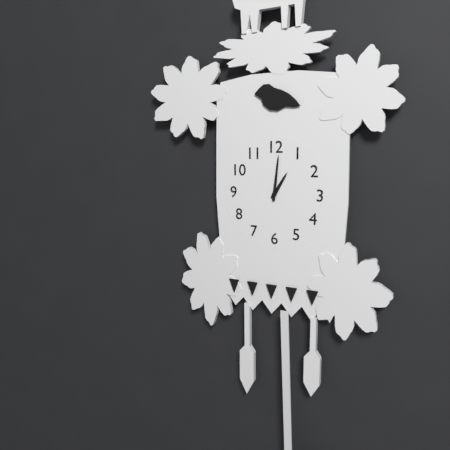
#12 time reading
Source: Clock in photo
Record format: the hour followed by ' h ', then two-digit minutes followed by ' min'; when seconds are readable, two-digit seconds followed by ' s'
1 h 01 min
